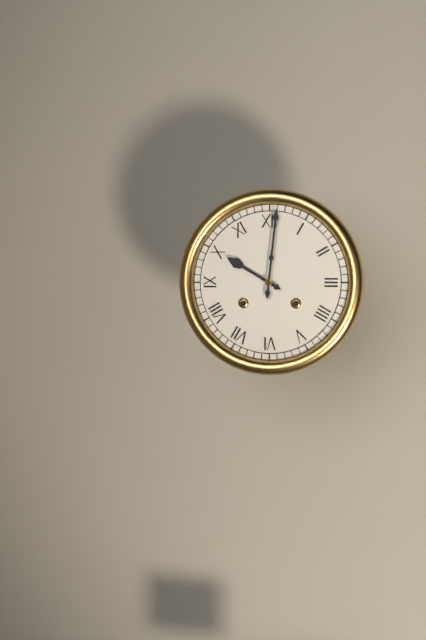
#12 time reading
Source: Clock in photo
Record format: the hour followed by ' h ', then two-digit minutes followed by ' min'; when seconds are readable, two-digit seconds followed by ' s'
10 h 01 min
